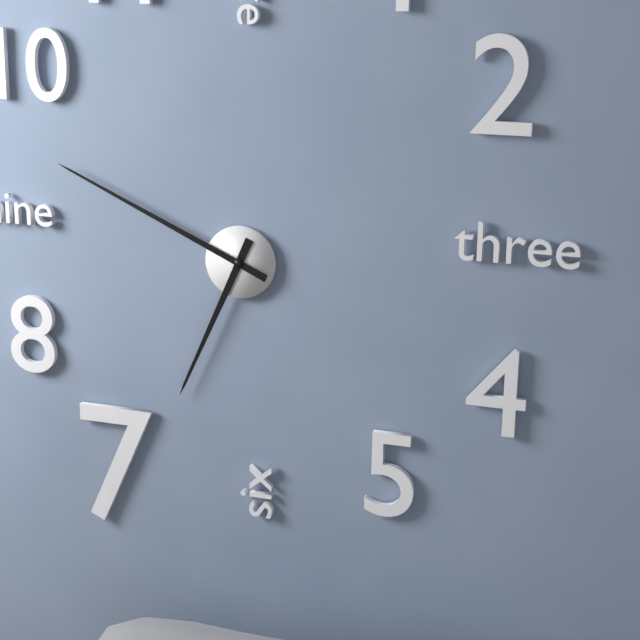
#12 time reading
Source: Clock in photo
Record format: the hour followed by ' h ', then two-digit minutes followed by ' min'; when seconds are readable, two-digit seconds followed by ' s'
6 h 49 min
